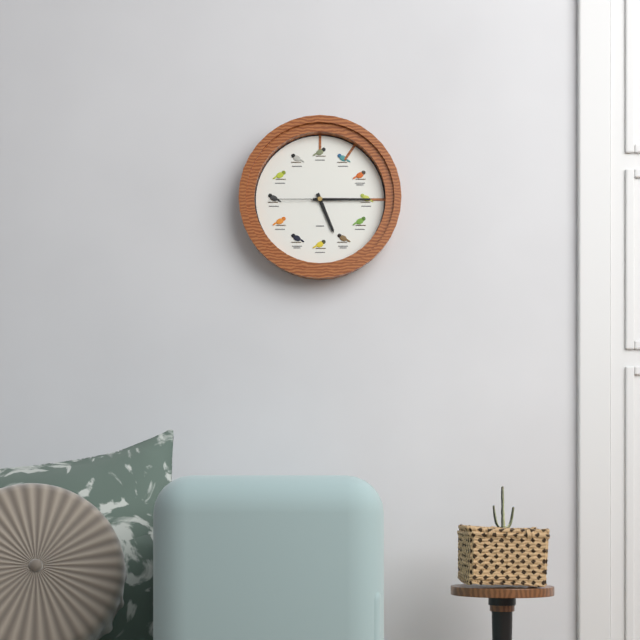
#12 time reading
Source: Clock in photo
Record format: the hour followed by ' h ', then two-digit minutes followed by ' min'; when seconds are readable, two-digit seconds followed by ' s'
5 h 15 min 45 s
